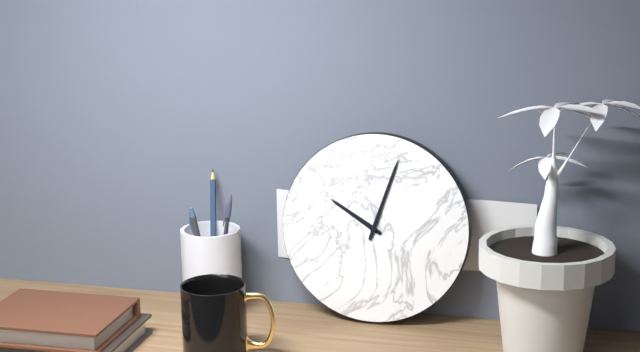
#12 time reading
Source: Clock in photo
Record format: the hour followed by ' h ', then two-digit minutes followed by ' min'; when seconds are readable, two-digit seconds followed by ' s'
10 h 03 min
